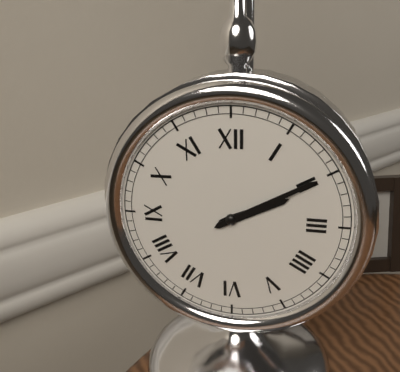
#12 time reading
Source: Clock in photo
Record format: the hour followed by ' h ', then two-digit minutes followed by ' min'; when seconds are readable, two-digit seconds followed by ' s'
2 h 10 min
